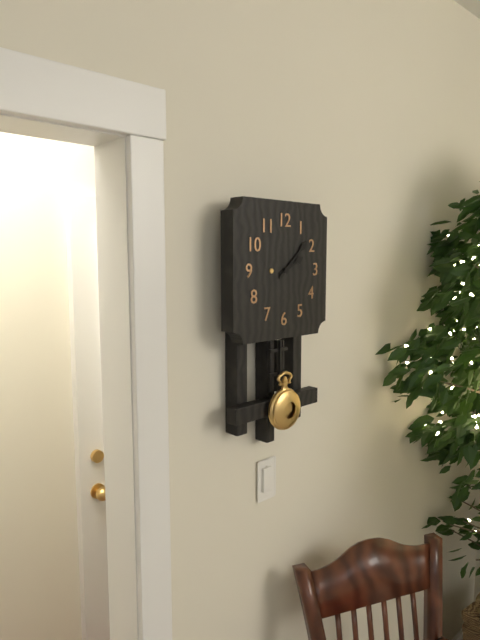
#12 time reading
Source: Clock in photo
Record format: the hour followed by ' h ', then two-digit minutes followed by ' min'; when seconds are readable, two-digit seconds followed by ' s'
2 h 08 min
